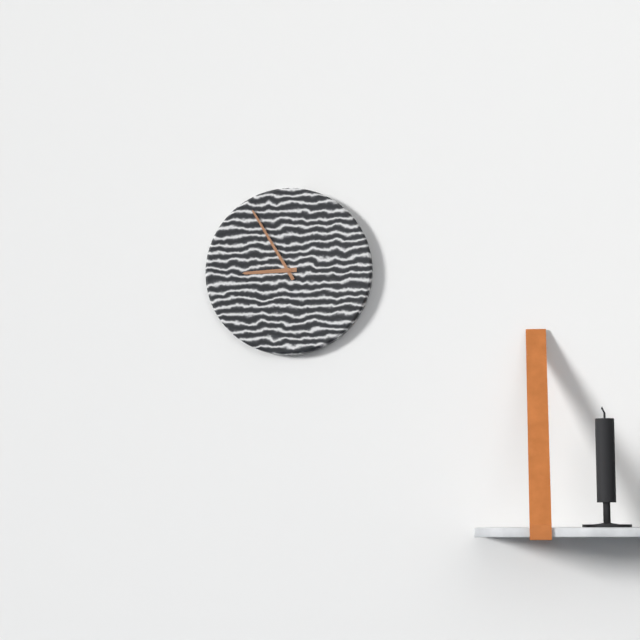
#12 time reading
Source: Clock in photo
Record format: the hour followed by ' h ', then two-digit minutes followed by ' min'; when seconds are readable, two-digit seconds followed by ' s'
8 h 55 min
